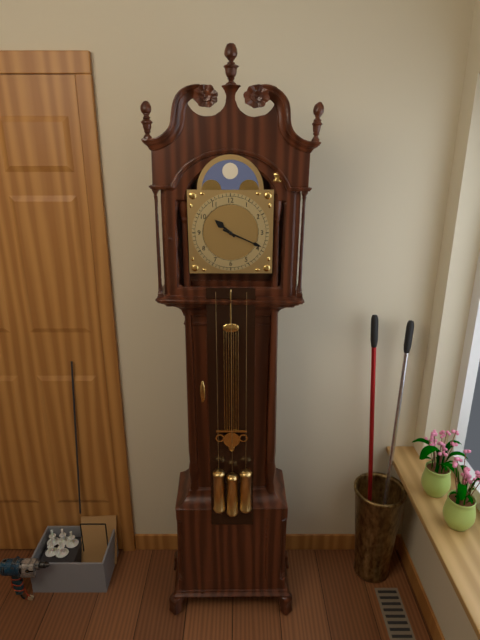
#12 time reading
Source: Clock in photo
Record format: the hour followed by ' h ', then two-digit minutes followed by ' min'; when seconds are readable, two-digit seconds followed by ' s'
10 h 19 min
